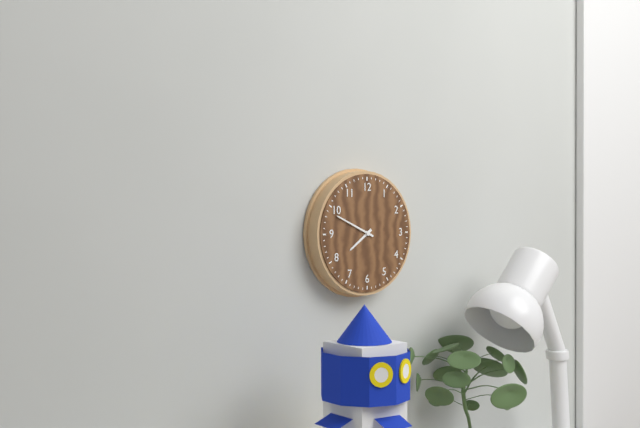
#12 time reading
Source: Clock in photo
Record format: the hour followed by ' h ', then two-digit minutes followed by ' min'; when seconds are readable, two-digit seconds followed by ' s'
7 h 49 min
